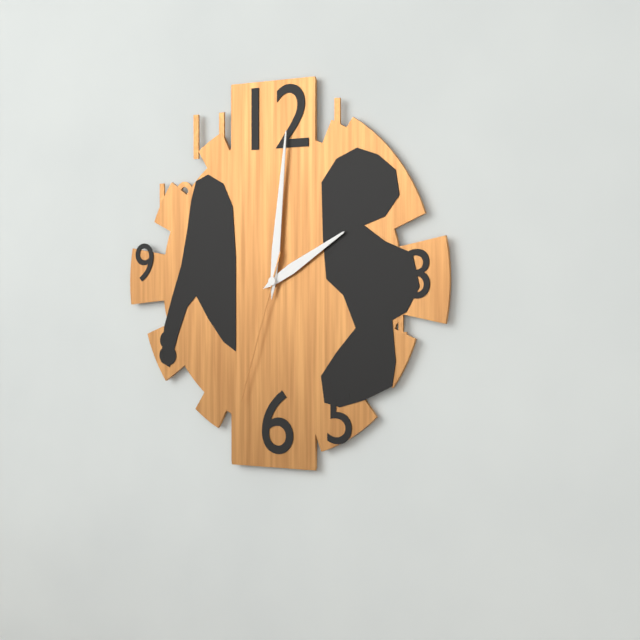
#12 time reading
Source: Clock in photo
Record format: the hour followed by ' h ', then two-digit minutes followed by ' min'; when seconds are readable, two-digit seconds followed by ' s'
2 h 01 min 33 s
